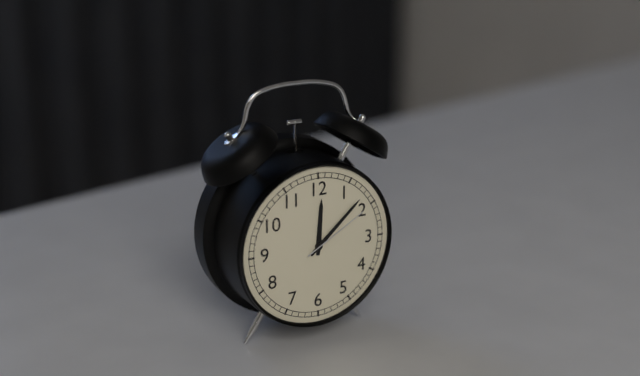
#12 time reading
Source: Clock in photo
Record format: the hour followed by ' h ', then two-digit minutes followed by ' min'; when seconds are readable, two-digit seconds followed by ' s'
12 h 08 min 10 s
